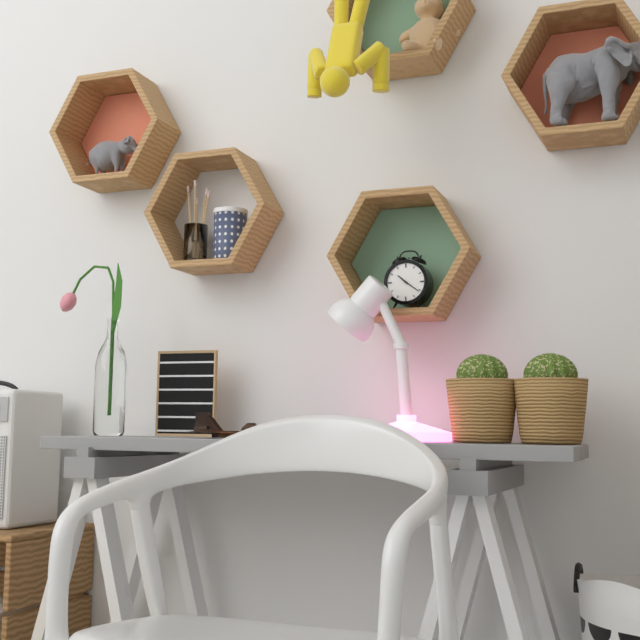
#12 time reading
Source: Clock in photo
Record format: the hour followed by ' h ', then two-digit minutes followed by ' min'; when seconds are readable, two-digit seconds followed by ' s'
10 h 21 min
